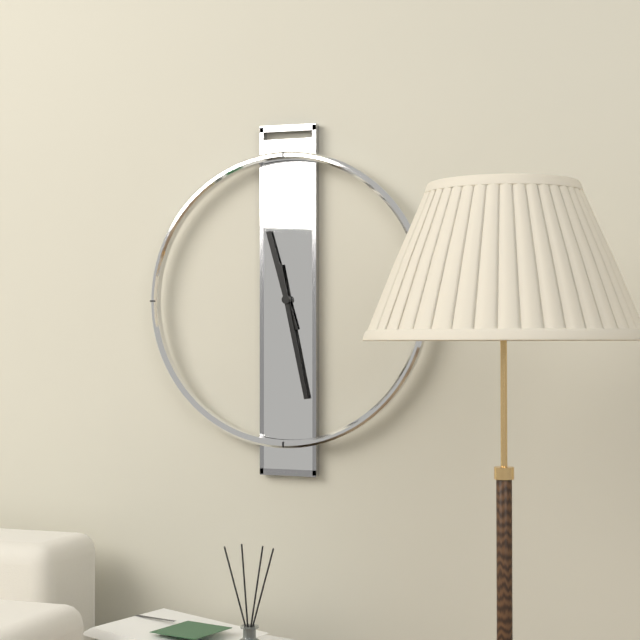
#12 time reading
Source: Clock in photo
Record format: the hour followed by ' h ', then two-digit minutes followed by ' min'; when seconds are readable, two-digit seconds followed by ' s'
11 h 28 min
